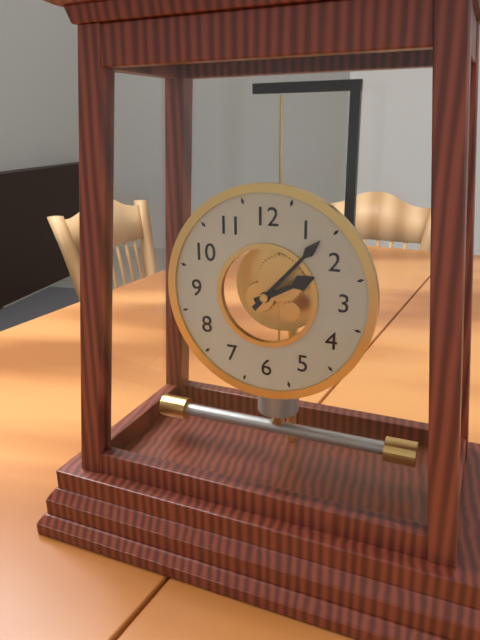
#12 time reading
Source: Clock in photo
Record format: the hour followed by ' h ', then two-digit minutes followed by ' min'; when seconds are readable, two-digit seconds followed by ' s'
2 h 07 min
